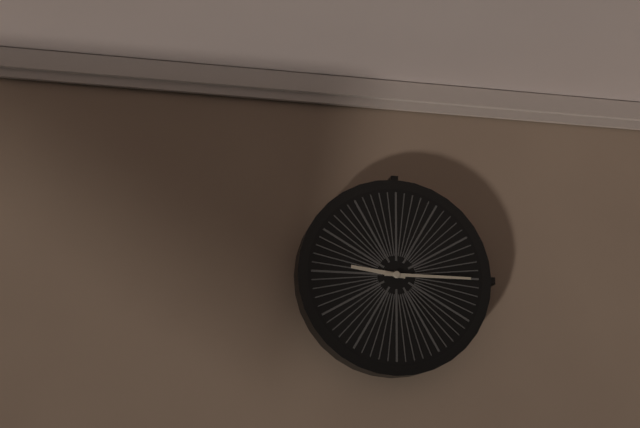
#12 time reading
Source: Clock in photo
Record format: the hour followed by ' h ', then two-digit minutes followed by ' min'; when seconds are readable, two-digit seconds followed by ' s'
9 h 15 min
